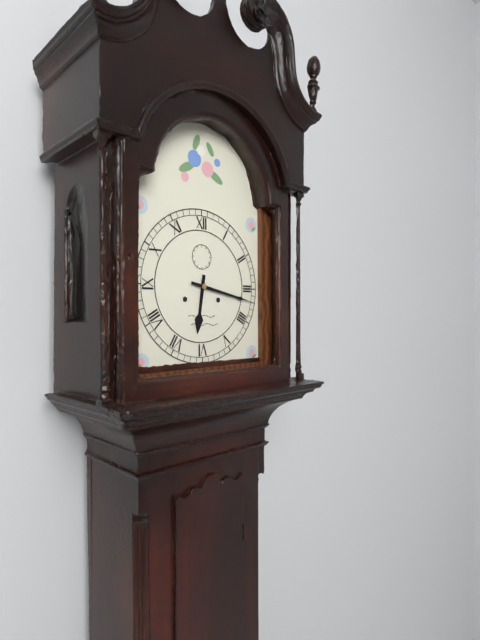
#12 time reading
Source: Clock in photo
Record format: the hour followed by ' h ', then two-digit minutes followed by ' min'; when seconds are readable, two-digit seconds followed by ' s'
6 h 17 min
